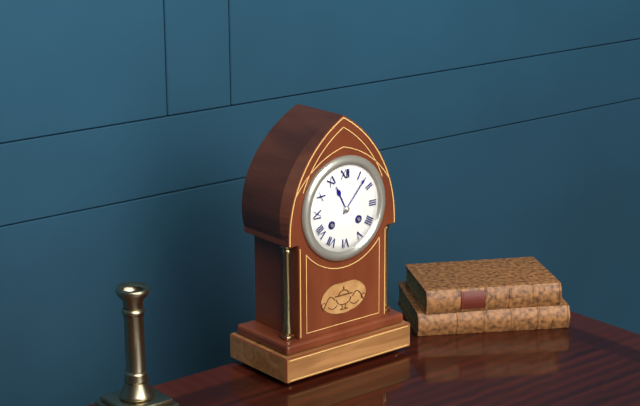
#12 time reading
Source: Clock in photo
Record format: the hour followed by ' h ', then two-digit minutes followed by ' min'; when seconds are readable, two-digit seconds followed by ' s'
11 h 07 min
